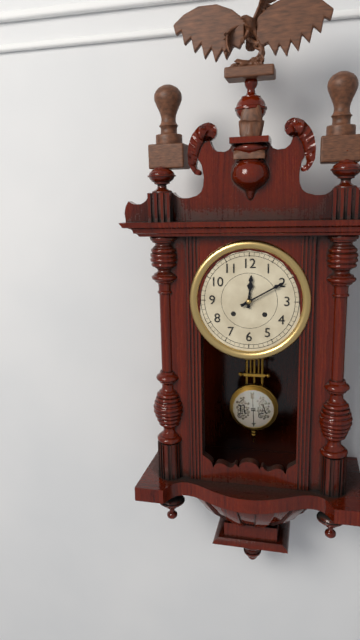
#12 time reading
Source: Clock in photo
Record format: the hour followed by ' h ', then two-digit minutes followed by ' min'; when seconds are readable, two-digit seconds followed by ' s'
12 h 10 min
